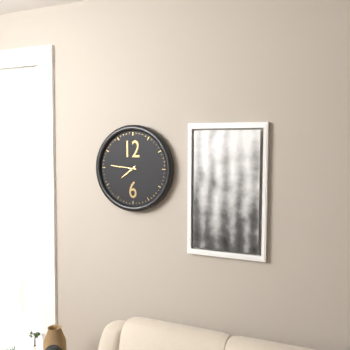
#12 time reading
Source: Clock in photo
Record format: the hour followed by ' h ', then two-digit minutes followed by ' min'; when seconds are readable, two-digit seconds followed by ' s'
7 h 46 min
